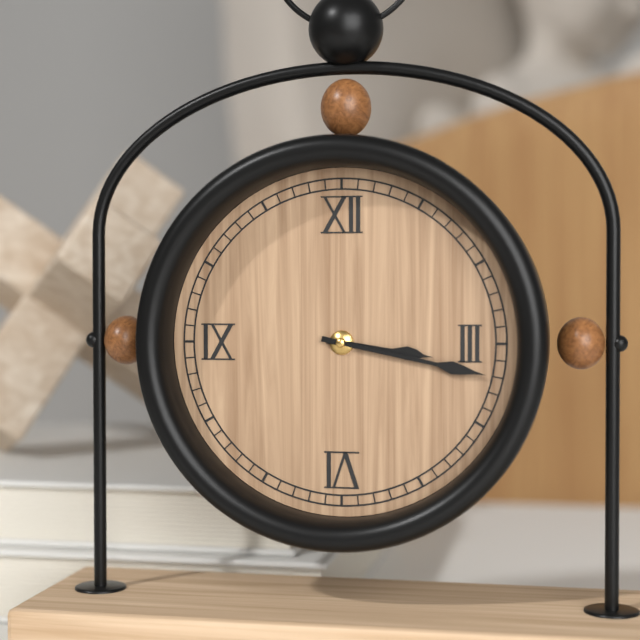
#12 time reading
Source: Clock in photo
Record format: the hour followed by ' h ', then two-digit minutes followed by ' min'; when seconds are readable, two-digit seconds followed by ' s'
3 h 17 min
